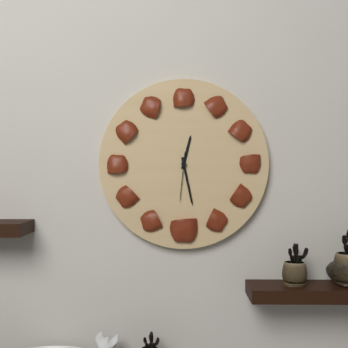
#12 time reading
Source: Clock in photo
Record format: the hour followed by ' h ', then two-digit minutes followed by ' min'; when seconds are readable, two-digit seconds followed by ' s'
12 h 28 min
